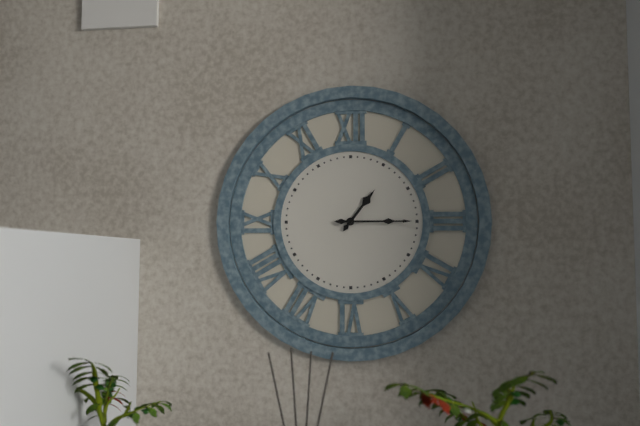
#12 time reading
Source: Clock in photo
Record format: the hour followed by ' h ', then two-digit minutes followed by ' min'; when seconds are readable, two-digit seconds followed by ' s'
1 h 15 min
